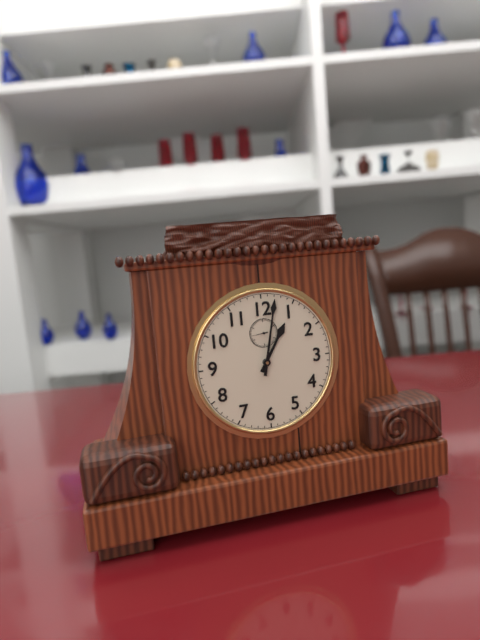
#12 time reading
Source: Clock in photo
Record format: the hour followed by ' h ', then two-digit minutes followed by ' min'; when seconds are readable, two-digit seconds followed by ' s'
1 h 02 min
